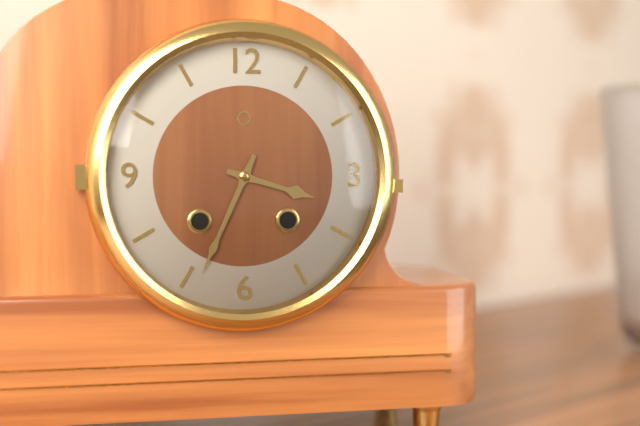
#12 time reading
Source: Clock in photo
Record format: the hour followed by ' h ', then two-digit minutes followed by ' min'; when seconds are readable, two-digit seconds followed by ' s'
3 h 34 min
